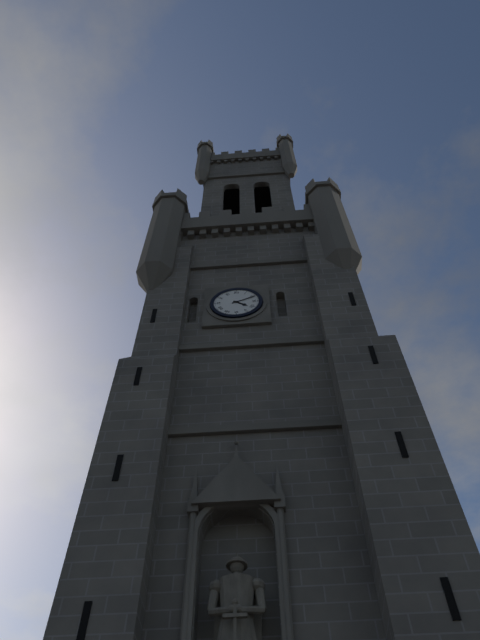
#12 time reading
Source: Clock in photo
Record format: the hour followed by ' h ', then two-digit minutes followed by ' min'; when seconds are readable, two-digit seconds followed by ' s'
4 h 11 min
